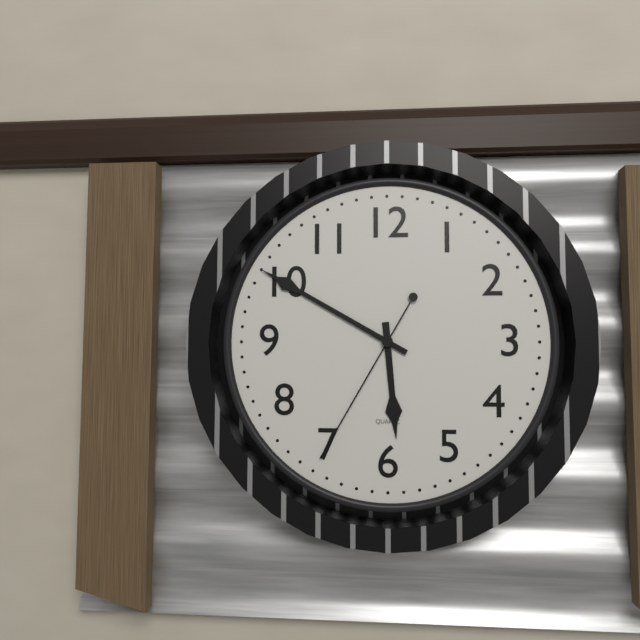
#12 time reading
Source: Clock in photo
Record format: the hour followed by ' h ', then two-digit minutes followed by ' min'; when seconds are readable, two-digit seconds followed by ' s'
5 h 50 min 35 s
